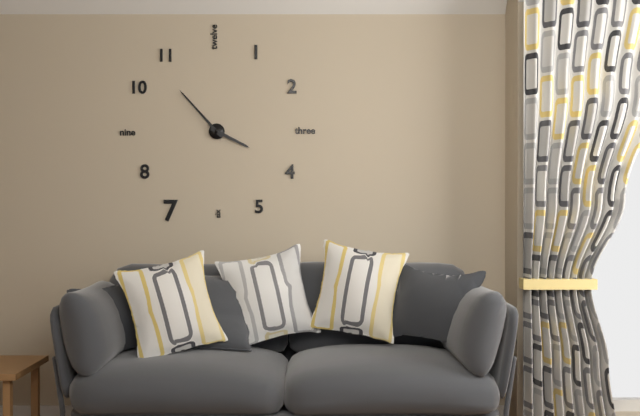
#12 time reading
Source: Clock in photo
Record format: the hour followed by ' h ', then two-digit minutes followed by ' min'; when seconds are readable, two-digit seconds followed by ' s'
3 h 53 min
